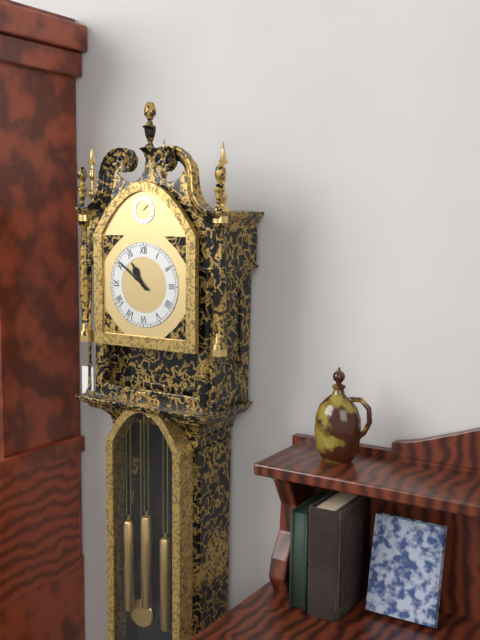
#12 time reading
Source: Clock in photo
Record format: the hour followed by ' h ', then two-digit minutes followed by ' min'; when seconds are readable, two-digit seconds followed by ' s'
10 h 51 min
